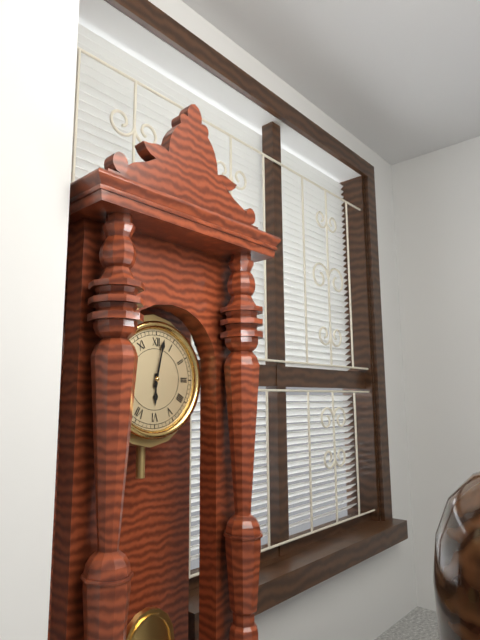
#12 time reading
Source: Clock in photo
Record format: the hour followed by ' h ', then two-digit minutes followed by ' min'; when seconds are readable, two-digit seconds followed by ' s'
6 h 02 min
